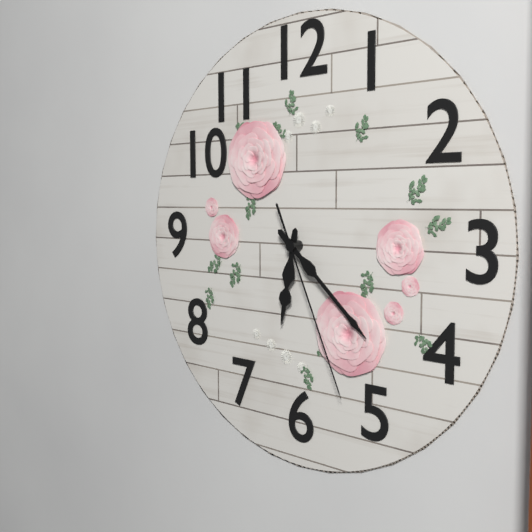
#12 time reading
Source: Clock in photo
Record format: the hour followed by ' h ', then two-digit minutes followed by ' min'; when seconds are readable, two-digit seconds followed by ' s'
6 h 22 min 26 s
